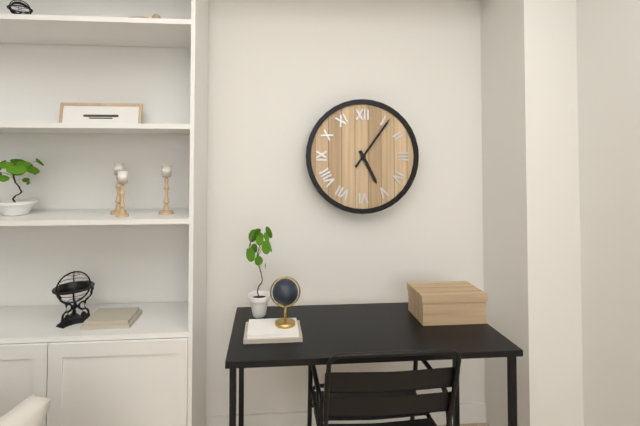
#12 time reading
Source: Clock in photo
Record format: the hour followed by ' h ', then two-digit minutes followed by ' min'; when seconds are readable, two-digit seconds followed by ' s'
5 h 06 min
